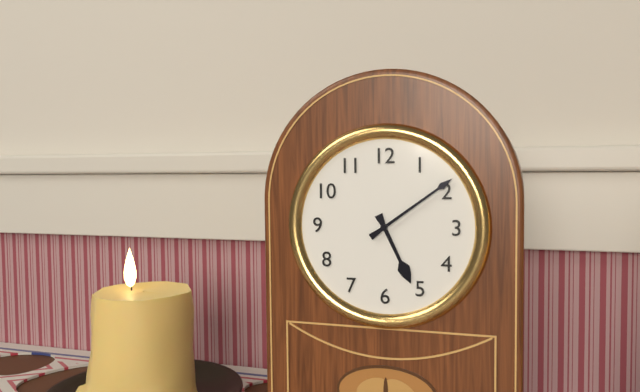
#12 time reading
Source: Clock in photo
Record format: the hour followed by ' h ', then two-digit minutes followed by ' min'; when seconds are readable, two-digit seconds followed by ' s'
5 h 09 min
